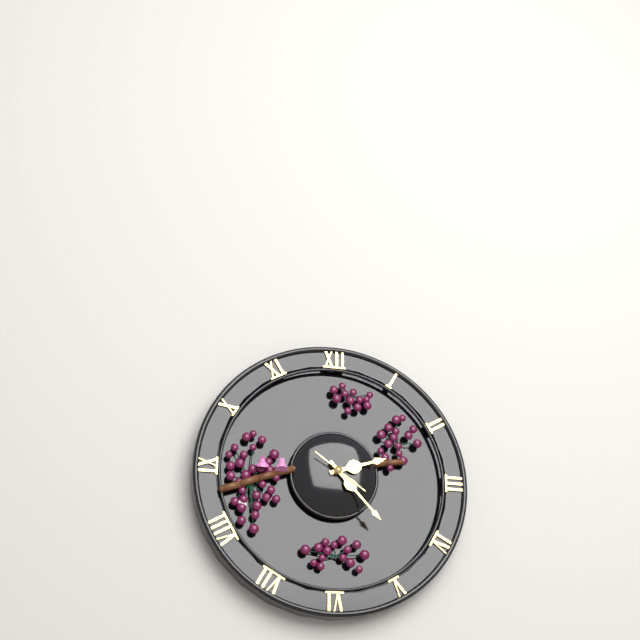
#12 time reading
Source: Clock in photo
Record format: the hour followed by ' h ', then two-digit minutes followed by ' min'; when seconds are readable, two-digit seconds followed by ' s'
2 h 23 min
